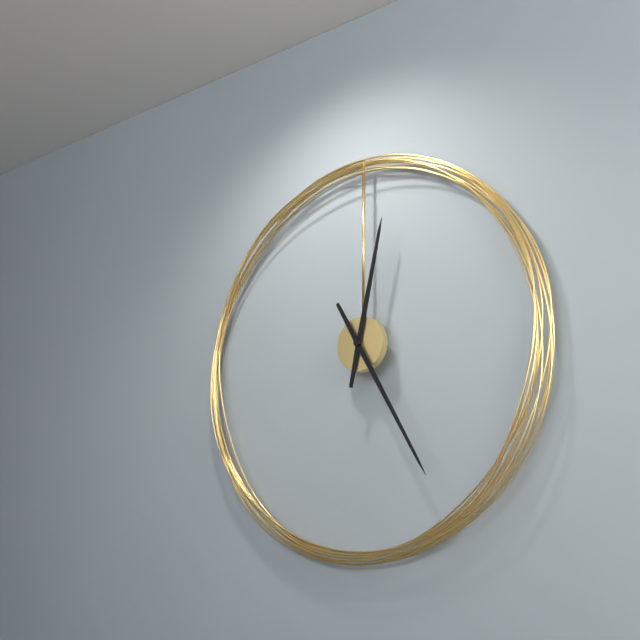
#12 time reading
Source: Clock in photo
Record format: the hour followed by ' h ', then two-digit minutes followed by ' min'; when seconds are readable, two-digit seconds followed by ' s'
12 h 25 min
